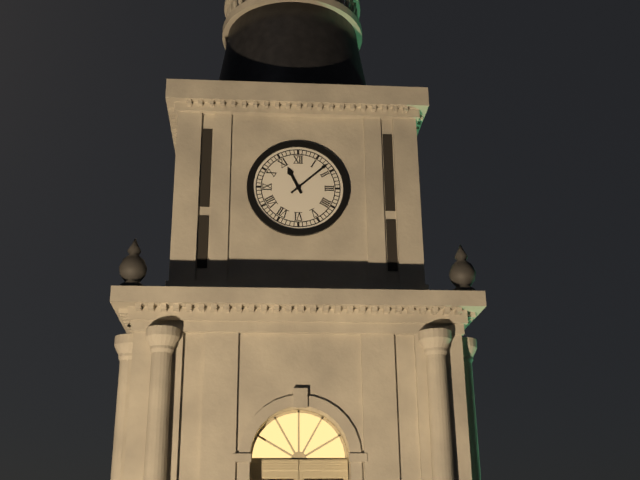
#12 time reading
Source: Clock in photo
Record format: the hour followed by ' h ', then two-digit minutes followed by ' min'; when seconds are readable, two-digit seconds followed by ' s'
11 h 08 min
